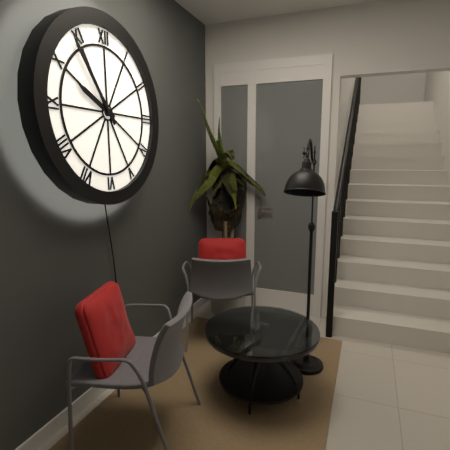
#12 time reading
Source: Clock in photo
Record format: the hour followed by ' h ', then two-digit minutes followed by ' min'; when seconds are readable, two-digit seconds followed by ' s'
9 h 54 min
